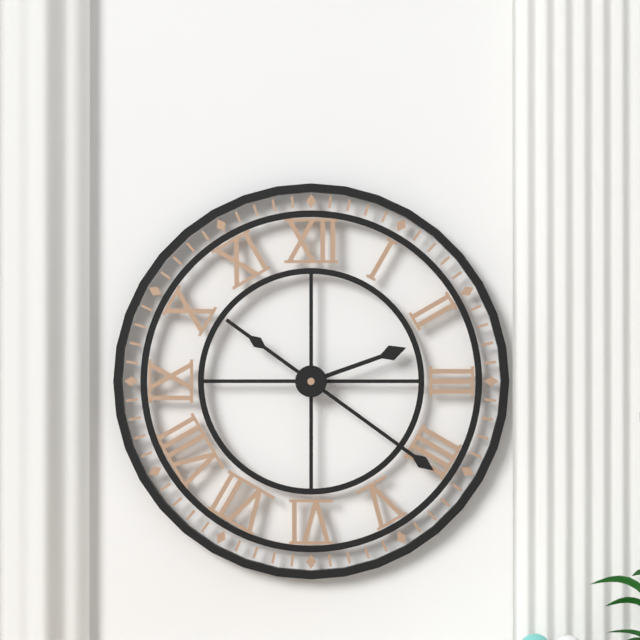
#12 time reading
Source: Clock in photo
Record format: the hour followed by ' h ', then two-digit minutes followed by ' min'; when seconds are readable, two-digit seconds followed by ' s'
2 h 21 min
